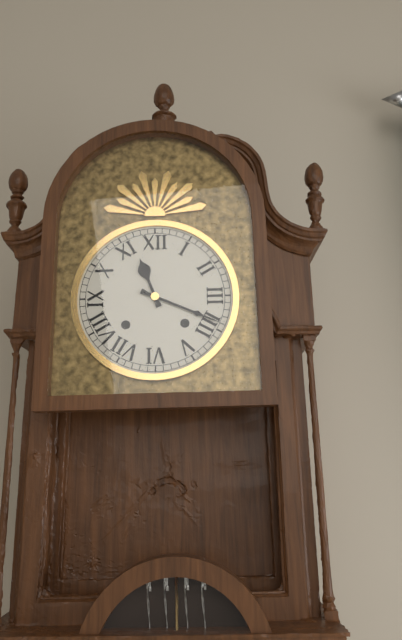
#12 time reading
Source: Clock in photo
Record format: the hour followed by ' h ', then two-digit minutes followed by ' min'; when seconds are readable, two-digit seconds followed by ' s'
11 h 19 min
